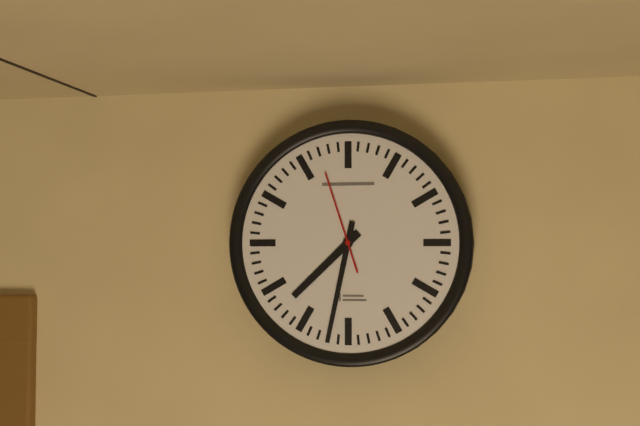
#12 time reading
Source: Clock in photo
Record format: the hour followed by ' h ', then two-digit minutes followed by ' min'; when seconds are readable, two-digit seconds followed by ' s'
7 h 32 min 57 s
